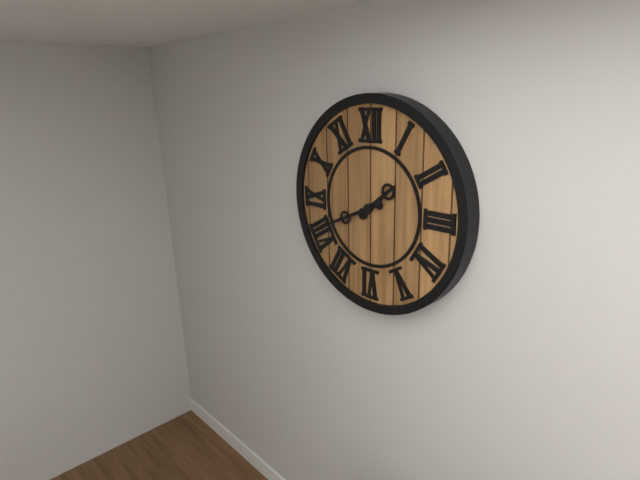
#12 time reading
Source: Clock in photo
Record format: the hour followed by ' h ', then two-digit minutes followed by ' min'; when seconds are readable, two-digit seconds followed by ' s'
1 h 41 min
